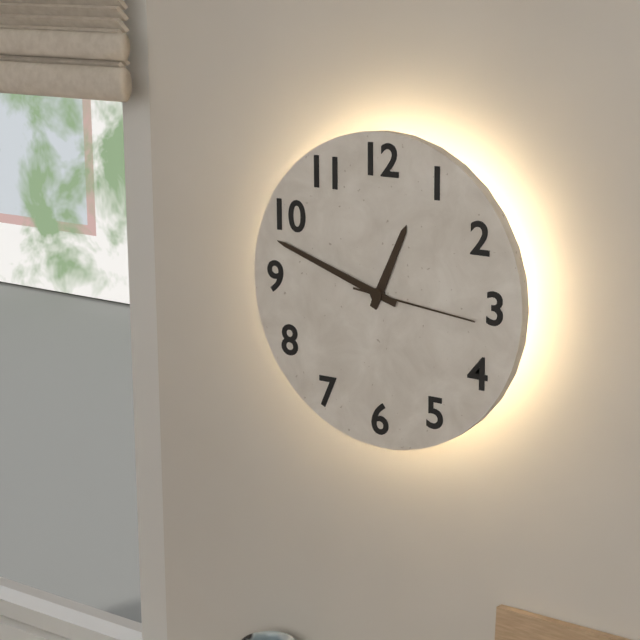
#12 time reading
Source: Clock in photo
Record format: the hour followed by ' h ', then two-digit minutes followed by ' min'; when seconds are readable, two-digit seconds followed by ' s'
12 h 48 min 16 s
